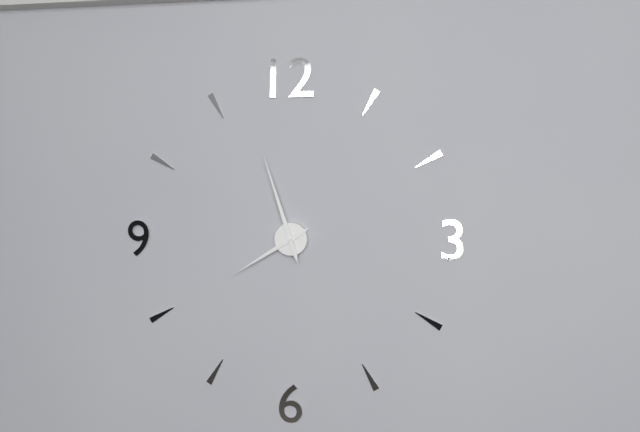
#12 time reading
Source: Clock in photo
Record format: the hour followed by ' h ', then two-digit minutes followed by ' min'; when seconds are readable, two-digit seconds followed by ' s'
7 h 57 min
